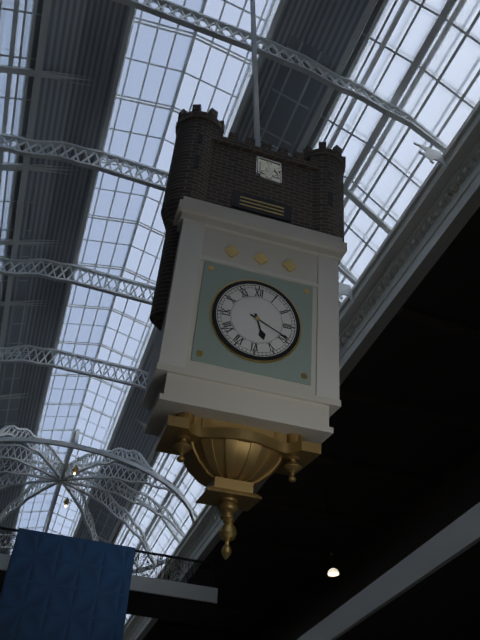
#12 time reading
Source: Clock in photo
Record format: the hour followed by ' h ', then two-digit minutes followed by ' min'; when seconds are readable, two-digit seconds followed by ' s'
5 h 19 min
